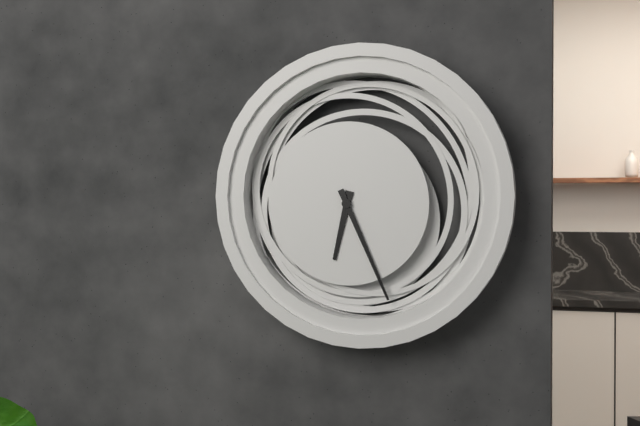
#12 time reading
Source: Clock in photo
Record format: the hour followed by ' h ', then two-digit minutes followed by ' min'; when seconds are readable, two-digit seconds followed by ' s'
6 h 26 min
